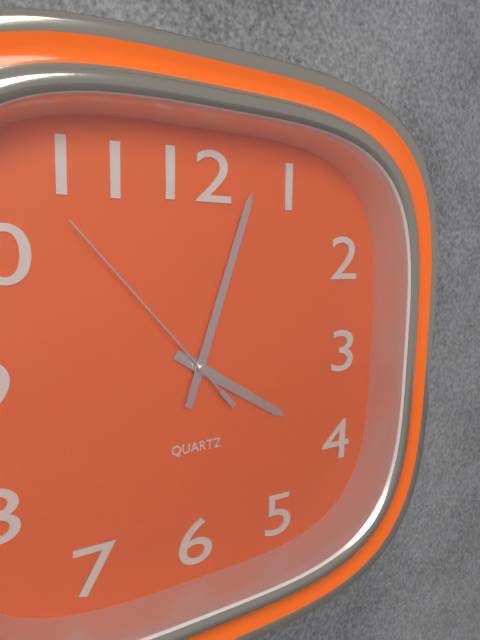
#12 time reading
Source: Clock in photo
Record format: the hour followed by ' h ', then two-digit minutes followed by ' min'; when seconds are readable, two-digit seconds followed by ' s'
4 h 03 min 53 s
